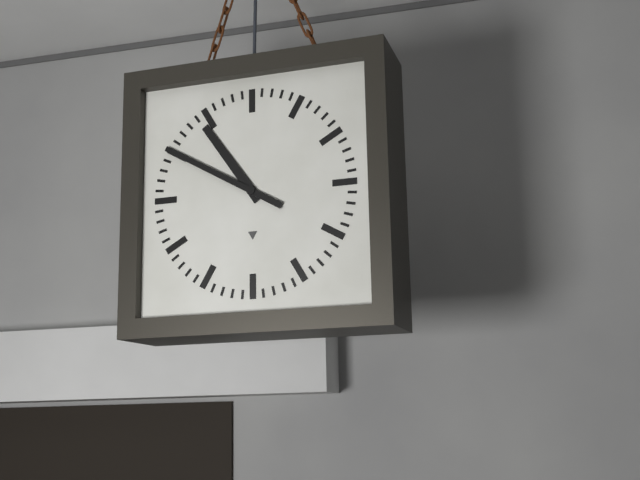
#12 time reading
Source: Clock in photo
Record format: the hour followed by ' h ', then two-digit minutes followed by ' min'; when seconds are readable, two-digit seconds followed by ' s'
10 h 50 min
